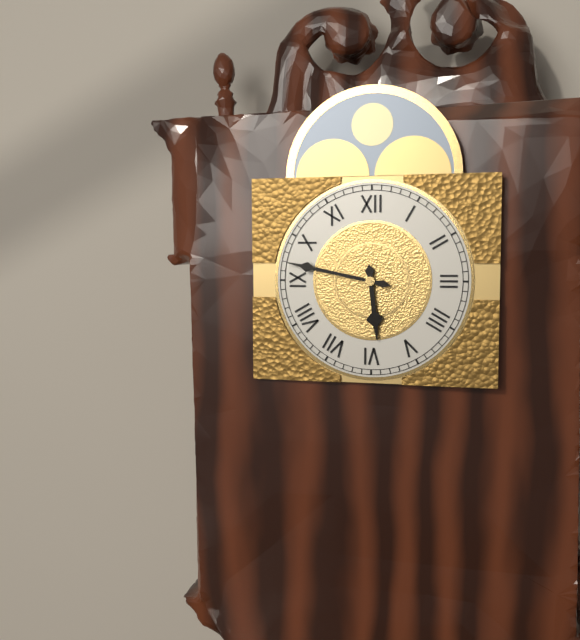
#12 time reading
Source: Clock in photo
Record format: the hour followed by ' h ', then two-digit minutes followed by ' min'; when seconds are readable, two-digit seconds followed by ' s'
5 h 47 min
